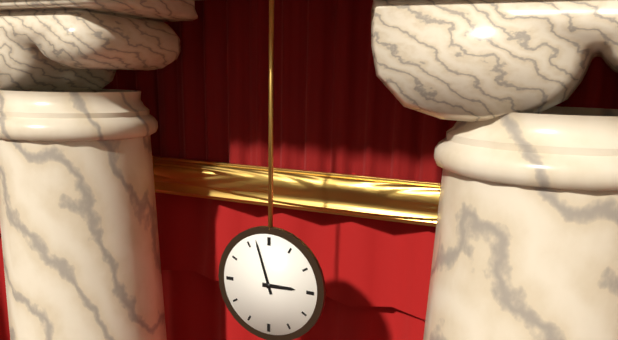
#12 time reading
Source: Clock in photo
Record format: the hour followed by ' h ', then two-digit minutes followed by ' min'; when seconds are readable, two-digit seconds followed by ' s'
2 h 57 min
